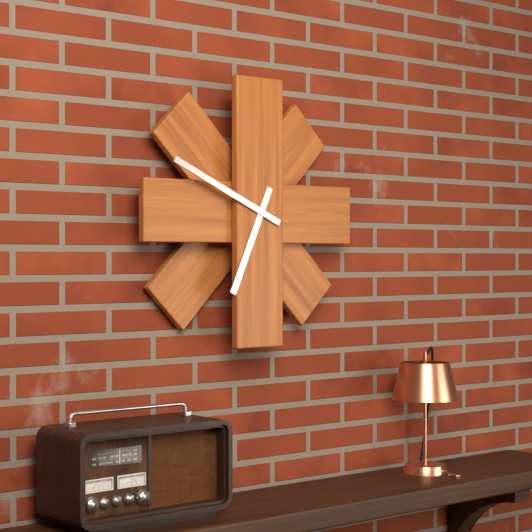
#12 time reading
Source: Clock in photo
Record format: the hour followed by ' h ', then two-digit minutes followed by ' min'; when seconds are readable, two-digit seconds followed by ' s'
6 h 49 min
